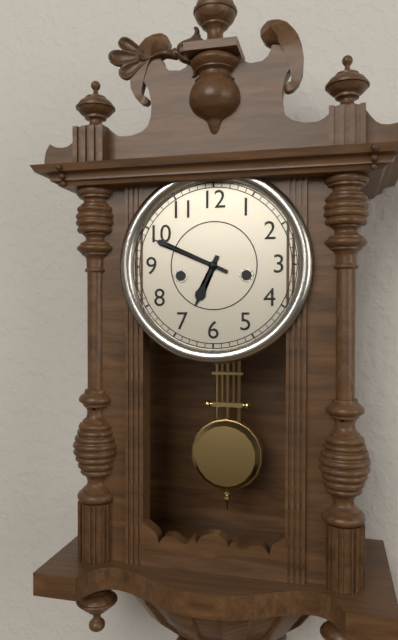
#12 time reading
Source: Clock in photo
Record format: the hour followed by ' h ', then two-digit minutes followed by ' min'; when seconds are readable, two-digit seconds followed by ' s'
6 h 49 min
